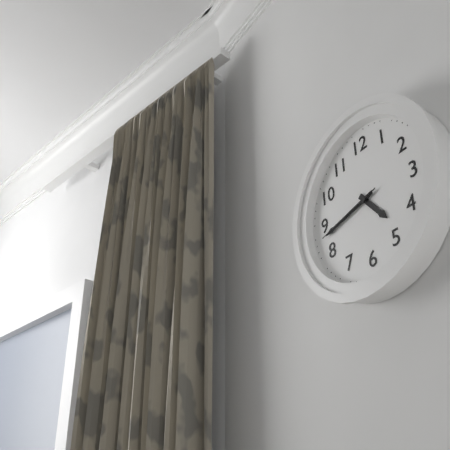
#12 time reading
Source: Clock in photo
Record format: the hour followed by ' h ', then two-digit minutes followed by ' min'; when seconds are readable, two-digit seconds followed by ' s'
4 h 43 min 43 s
